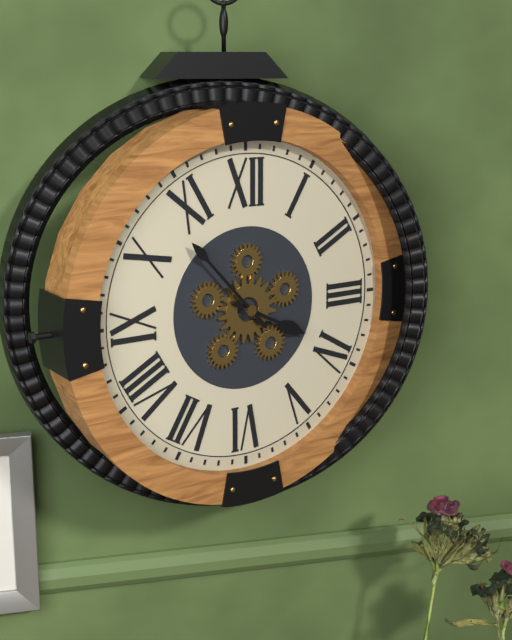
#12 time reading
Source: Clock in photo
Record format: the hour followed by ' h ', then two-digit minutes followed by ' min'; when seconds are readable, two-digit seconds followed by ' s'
3 h 53 min
